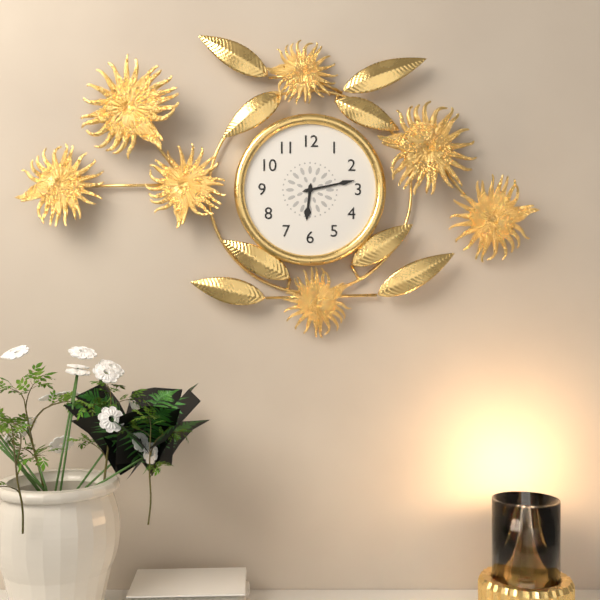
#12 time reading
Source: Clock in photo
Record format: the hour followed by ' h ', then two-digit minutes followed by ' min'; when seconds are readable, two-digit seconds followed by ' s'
6 h 13 min
